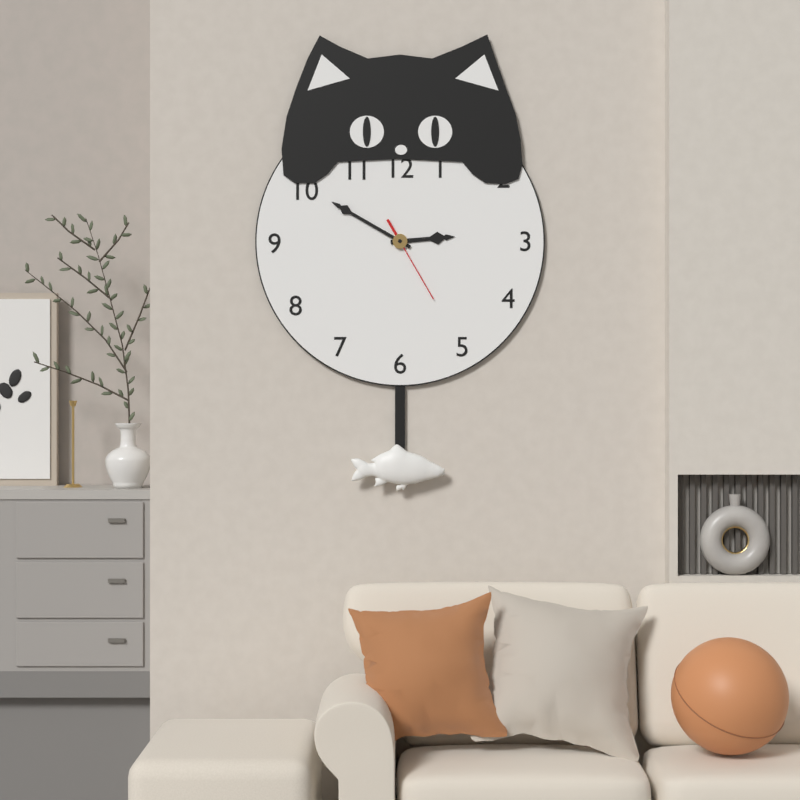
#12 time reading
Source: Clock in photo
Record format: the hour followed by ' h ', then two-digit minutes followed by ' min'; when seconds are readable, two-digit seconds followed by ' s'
2 h 50 min 25 s
